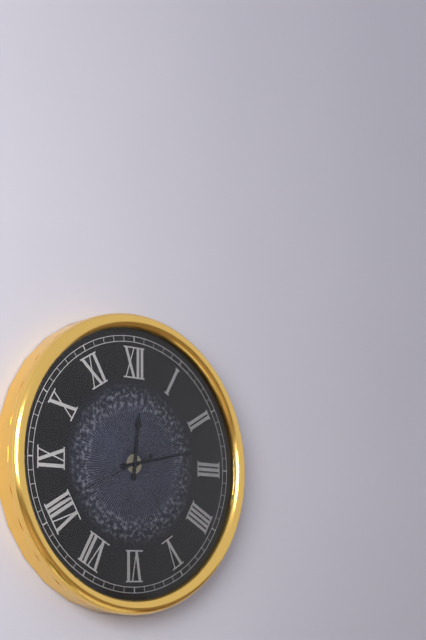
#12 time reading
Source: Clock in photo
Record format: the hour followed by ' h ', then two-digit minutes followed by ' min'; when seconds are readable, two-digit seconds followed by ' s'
12 h 13 min 41 s
